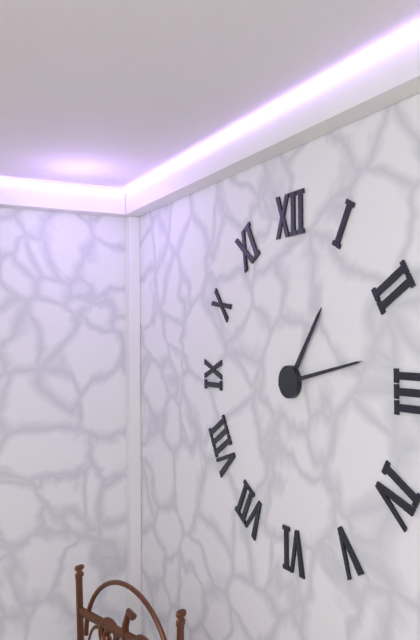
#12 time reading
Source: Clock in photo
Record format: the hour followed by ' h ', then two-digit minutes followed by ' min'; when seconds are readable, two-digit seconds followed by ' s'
1 h 13 min
